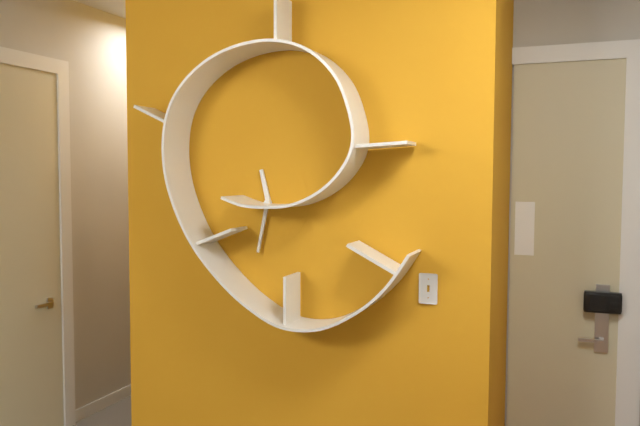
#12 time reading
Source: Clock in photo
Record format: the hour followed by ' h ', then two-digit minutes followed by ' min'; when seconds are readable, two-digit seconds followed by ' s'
11 h 32 min
